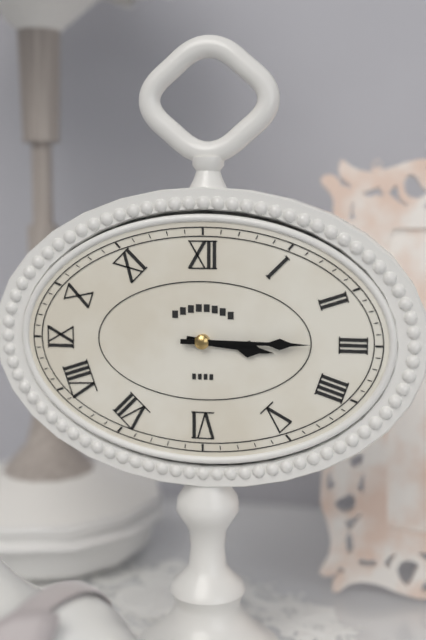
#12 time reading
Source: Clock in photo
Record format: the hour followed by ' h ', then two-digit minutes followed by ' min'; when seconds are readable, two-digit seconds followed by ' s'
3 h 15 min
